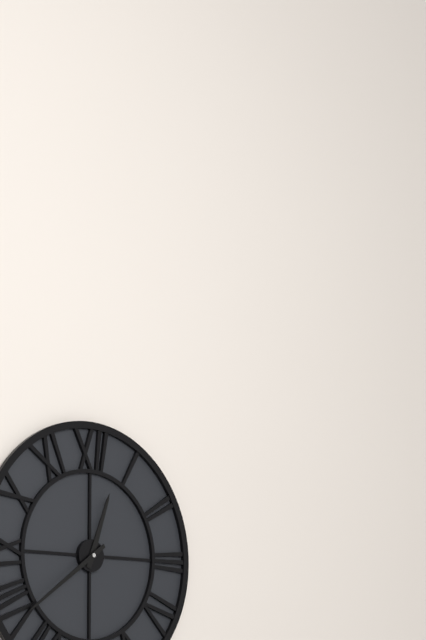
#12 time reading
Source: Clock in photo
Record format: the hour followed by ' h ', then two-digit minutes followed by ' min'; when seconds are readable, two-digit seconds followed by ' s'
12 h 39 min
